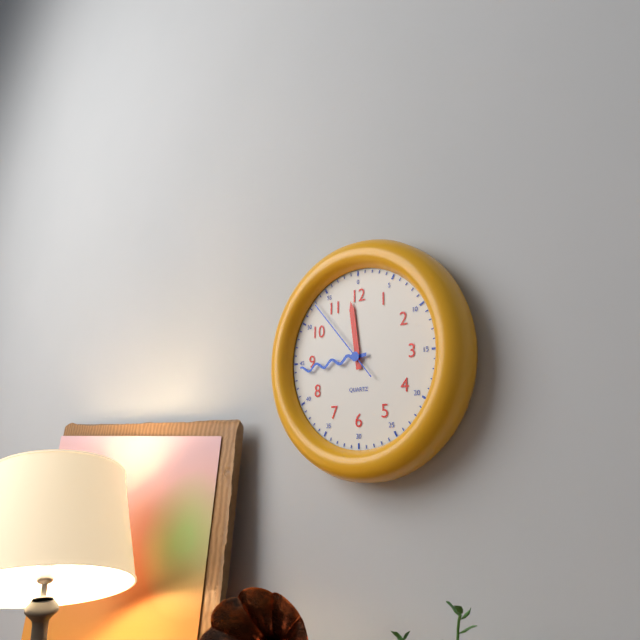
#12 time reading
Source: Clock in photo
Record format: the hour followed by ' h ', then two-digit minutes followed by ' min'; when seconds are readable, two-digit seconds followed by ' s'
11 h 44 min 53 s
